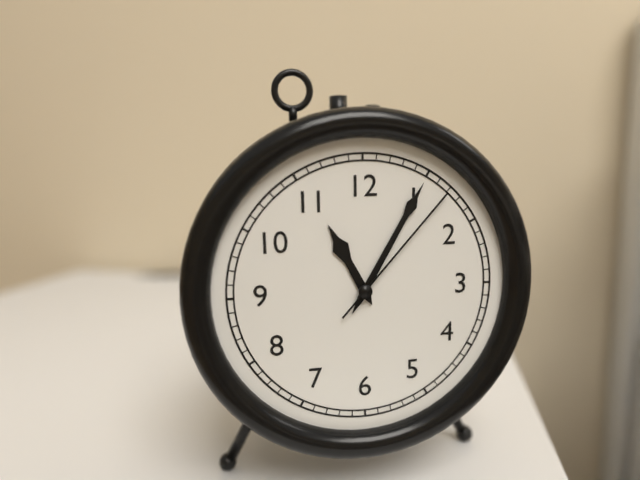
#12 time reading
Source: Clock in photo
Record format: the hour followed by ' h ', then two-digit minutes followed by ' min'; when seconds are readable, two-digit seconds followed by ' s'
11 h 05 min 07 s
